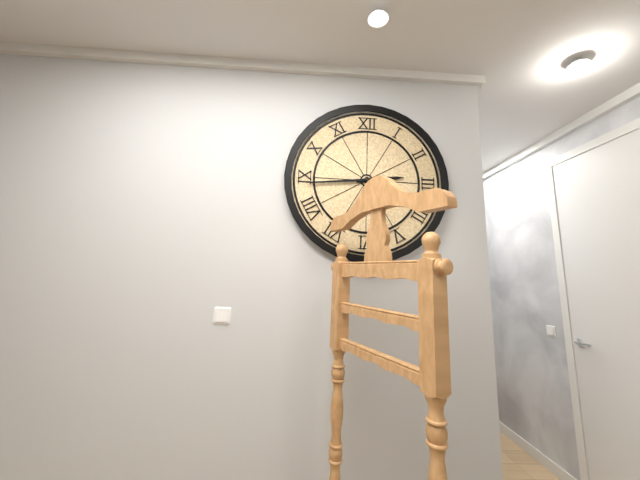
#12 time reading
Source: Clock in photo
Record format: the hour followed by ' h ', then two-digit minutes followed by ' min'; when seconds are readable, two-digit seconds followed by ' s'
2 h 44 min
